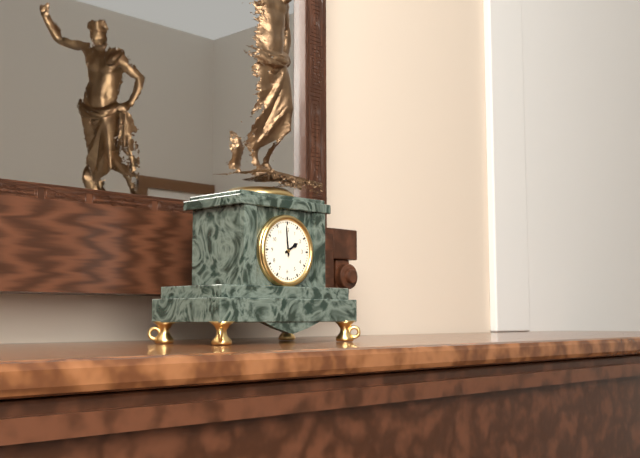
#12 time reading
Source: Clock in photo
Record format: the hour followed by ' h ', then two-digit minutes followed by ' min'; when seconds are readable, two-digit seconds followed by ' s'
1 h 59 min
